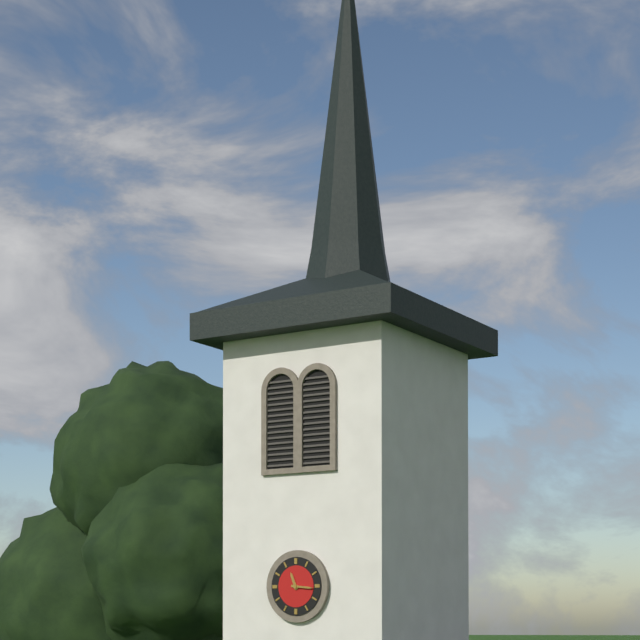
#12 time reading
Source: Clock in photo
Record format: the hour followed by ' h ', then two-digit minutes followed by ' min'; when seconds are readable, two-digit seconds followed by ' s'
11 h 16 min
